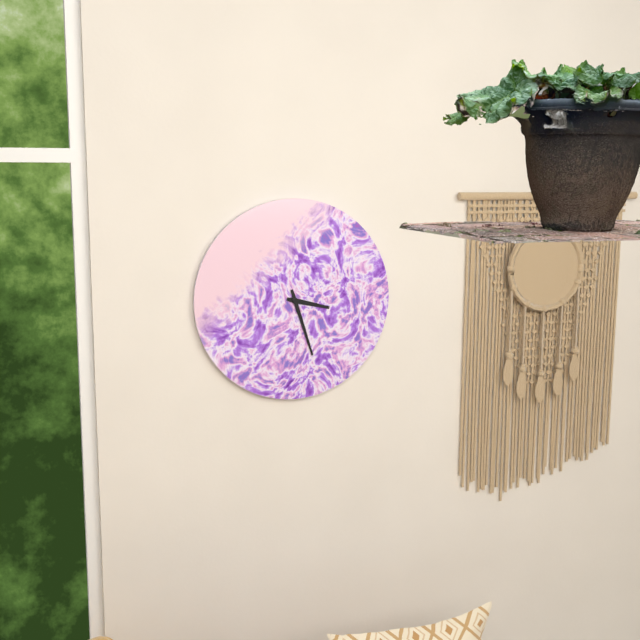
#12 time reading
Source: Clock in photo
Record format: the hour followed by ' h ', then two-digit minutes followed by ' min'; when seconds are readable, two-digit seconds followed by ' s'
3 h 27 min
